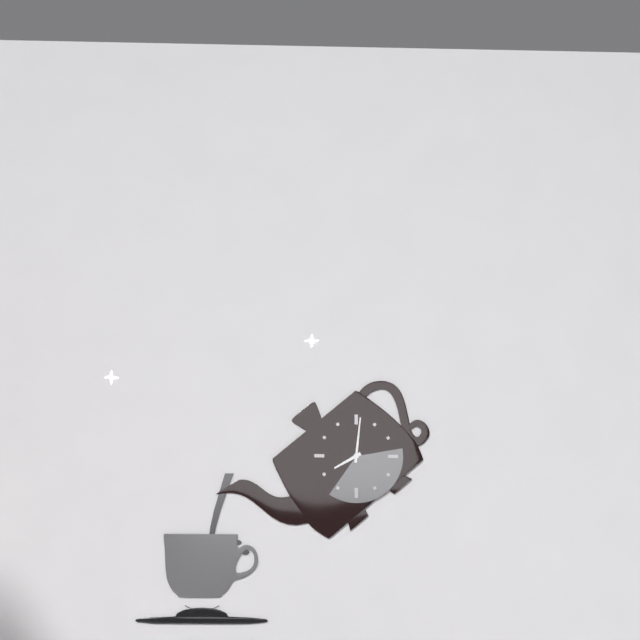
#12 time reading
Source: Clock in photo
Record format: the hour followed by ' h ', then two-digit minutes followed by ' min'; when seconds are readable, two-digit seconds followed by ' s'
8 h 01 min
